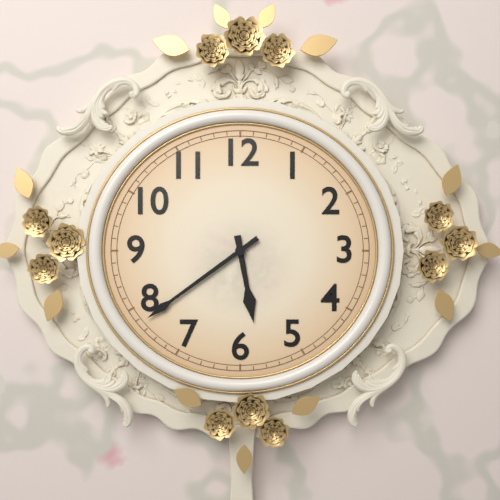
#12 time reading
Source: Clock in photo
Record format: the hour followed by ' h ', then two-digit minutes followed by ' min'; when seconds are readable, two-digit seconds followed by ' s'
5 h 39 min
